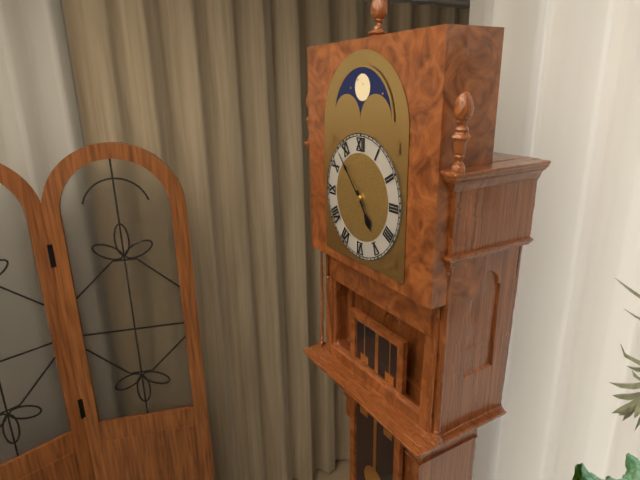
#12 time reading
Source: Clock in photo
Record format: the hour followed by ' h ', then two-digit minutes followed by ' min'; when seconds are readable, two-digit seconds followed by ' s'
4 h 53 min
